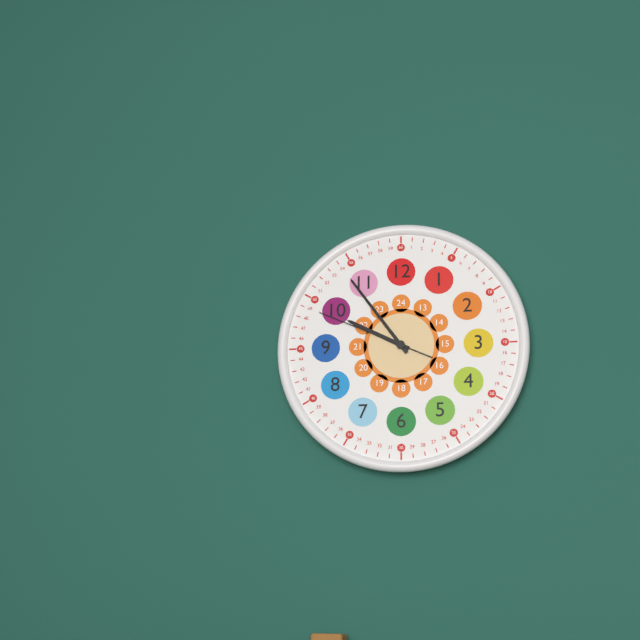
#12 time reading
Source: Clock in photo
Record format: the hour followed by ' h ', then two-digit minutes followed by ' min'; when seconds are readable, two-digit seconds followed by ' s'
9 h 54 min 49 s
